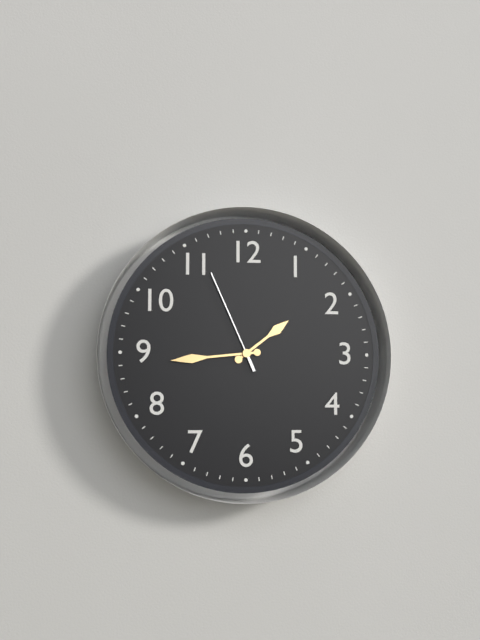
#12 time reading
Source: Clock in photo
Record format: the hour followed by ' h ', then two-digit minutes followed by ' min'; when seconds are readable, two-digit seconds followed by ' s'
1 h 44 min 56 s
